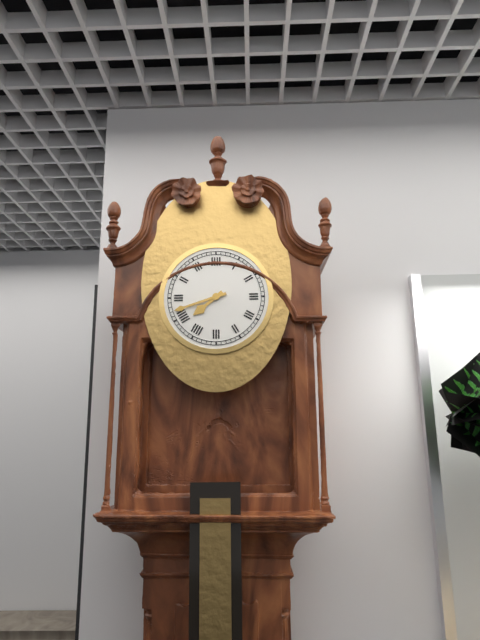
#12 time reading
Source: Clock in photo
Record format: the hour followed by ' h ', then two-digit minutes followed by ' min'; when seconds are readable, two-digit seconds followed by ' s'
7 h 42 min
